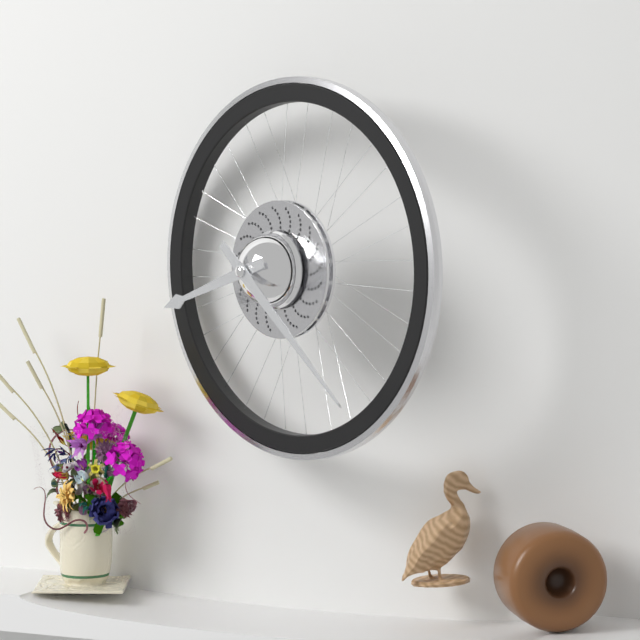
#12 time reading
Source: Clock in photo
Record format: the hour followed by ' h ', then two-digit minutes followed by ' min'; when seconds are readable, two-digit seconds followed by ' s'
8 h 22 min
